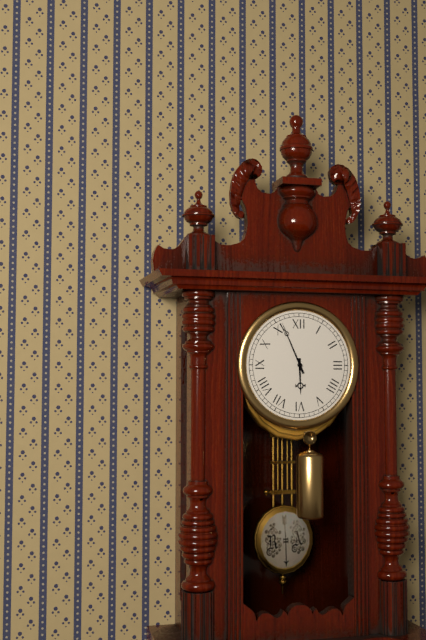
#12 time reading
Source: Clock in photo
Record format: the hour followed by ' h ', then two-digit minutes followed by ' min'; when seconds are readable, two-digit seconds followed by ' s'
5 h 56 min
